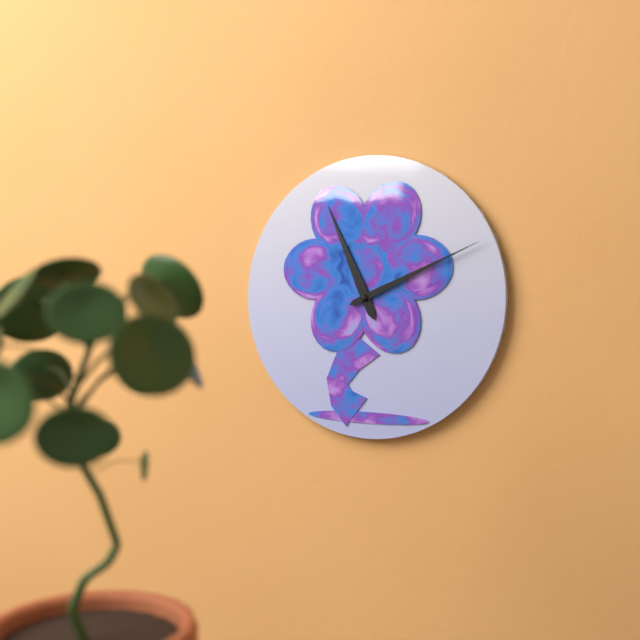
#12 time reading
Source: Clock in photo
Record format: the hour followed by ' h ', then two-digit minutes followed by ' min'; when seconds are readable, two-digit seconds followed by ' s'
11 h 11 min
